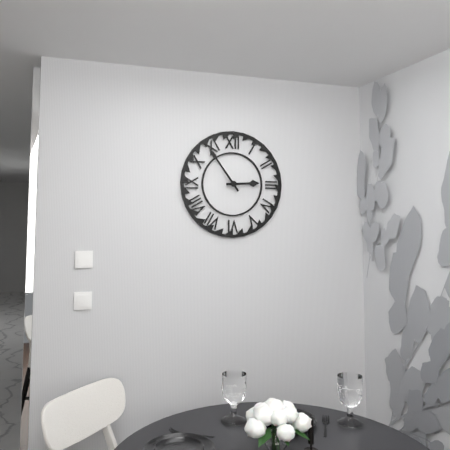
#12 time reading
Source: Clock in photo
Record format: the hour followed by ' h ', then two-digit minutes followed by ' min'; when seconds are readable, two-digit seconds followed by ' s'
2 h 54 min
